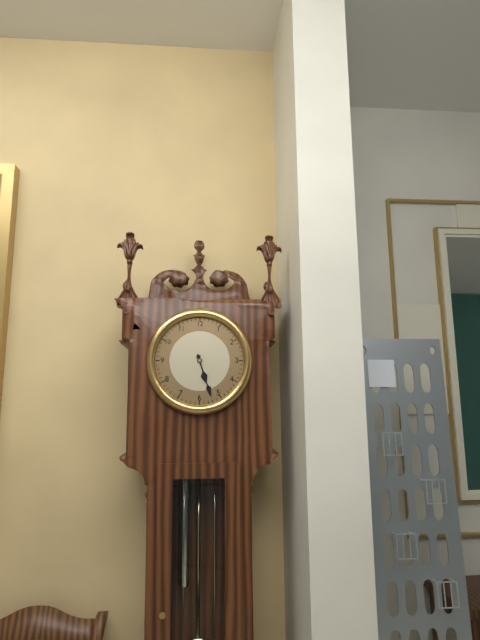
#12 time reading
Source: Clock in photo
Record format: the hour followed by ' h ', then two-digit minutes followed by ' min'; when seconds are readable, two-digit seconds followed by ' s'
5 h 27 min
